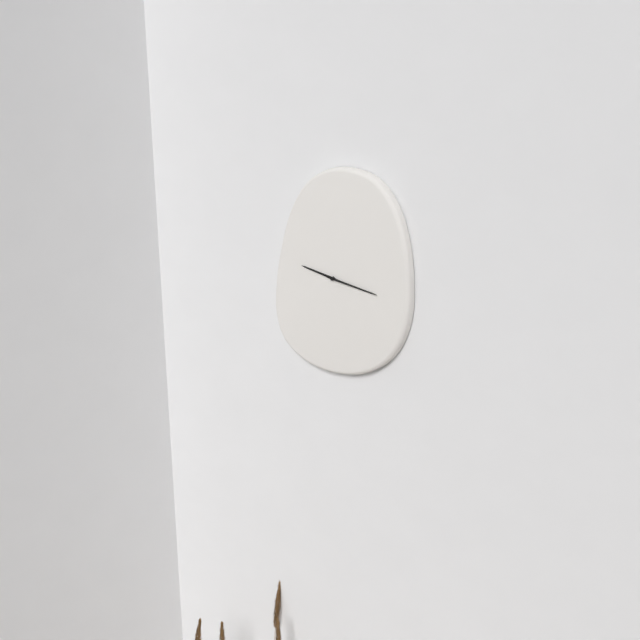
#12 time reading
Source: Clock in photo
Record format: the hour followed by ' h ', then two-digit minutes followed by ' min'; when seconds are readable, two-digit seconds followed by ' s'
9 h 16 min
